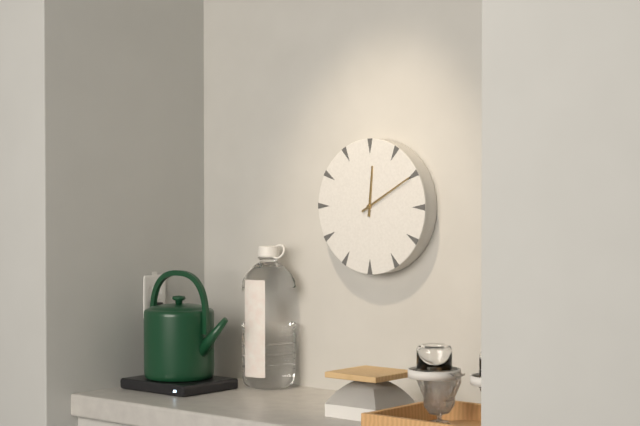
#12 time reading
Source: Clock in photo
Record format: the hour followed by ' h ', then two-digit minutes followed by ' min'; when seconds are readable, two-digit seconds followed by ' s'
12 h 10 min
